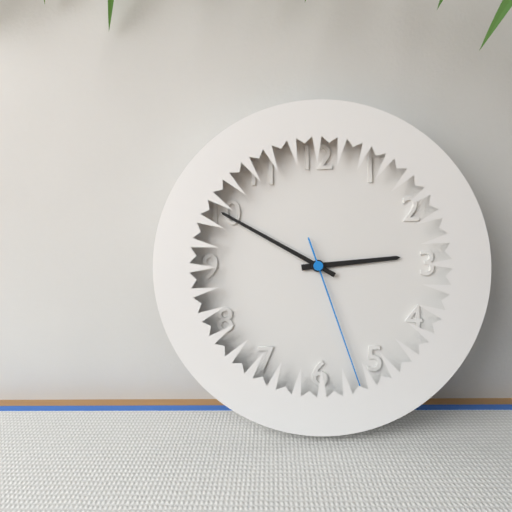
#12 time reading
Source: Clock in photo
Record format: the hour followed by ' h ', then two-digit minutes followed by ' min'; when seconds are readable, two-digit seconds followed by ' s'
2 h 50 min 27 s
